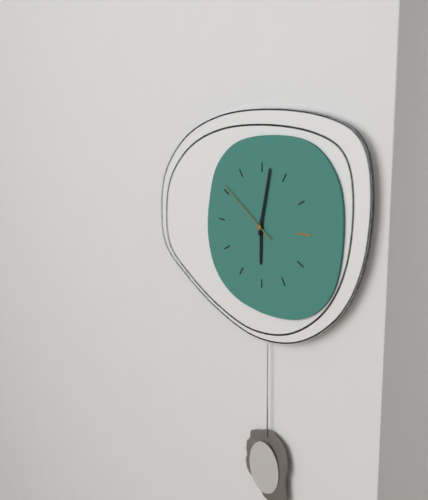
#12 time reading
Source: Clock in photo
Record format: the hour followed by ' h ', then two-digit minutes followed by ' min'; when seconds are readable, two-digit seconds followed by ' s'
6 h 02 min 51 s
